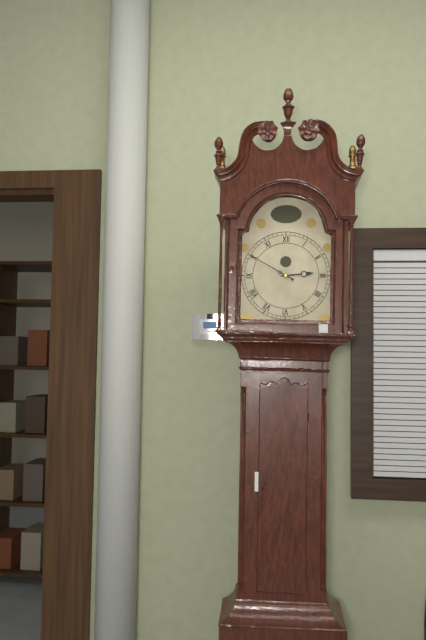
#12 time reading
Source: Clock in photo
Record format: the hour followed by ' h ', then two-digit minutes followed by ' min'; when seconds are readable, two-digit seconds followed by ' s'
2 h 50 min
